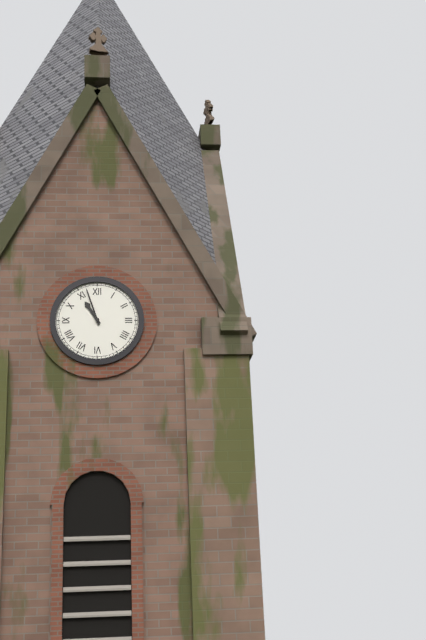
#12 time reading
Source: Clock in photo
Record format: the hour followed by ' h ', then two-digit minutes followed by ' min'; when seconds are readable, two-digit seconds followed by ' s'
10 h 57 min
